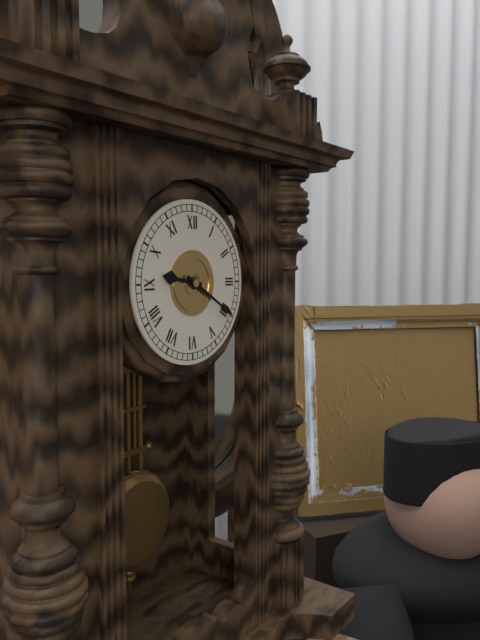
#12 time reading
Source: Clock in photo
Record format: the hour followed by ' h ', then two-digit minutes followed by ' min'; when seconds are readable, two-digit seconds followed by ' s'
9 h 20 min
